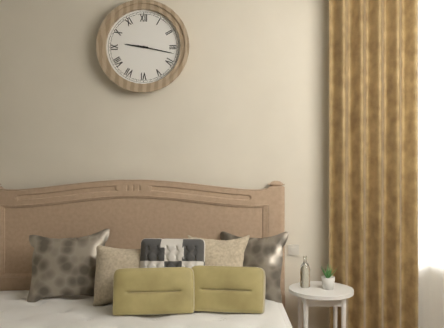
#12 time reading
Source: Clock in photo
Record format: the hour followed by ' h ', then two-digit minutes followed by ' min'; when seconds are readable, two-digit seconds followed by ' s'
9 h 17 min
